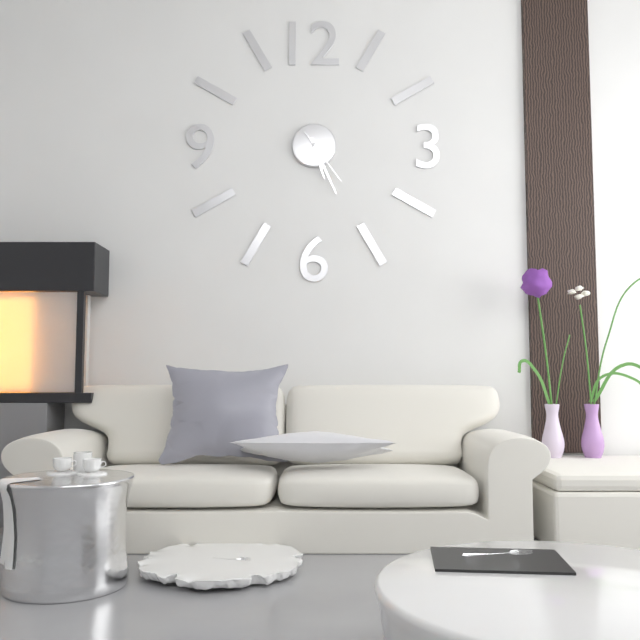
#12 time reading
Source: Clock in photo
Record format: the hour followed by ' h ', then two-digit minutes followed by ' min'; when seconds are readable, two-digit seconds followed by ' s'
5 h 26 min 24 s
